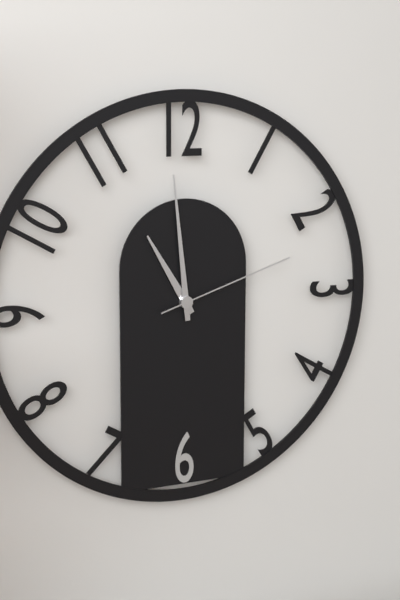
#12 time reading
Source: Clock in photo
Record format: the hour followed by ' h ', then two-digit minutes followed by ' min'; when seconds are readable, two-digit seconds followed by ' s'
10 h 59 min 12 s
